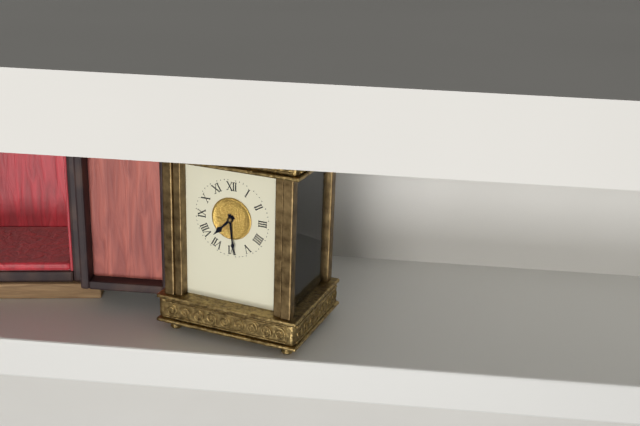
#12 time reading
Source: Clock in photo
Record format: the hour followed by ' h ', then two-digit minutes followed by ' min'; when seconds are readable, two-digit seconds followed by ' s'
7 h 29 min
